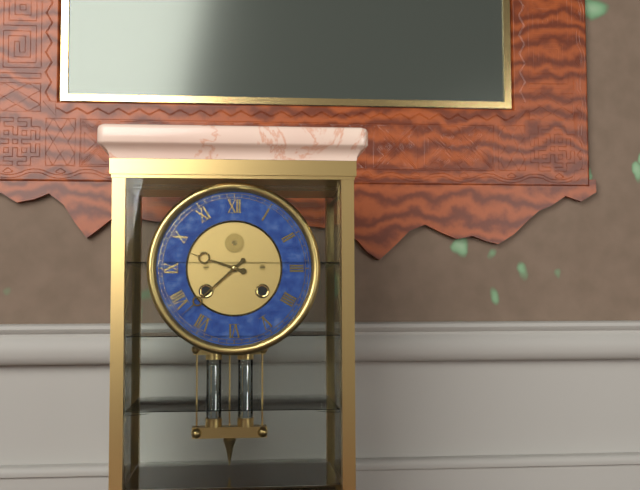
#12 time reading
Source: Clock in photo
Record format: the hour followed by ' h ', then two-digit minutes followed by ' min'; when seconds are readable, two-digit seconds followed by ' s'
9 h 38 min
